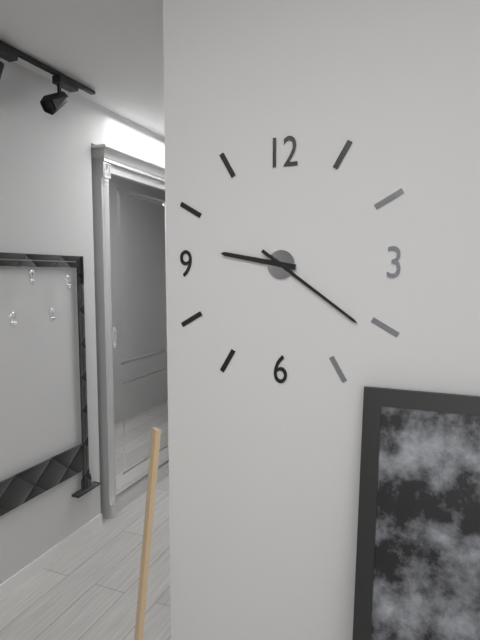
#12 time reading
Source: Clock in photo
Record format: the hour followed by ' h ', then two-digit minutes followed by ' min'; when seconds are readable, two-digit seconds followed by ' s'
9 h 21 min
